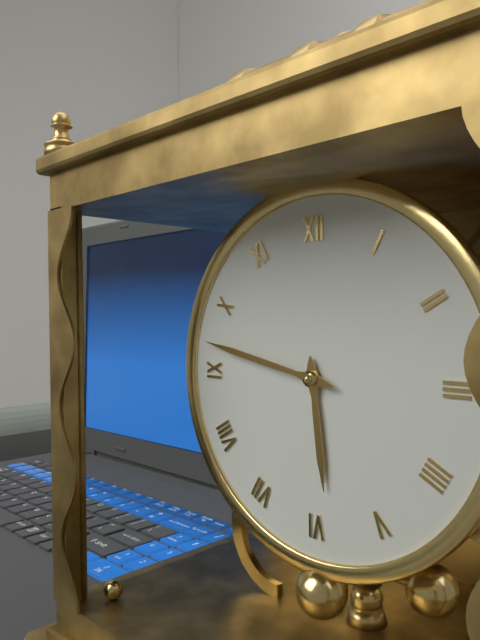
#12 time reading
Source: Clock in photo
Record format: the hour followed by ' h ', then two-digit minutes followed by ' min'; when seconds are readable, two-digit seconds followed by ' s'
5 h 47 min
